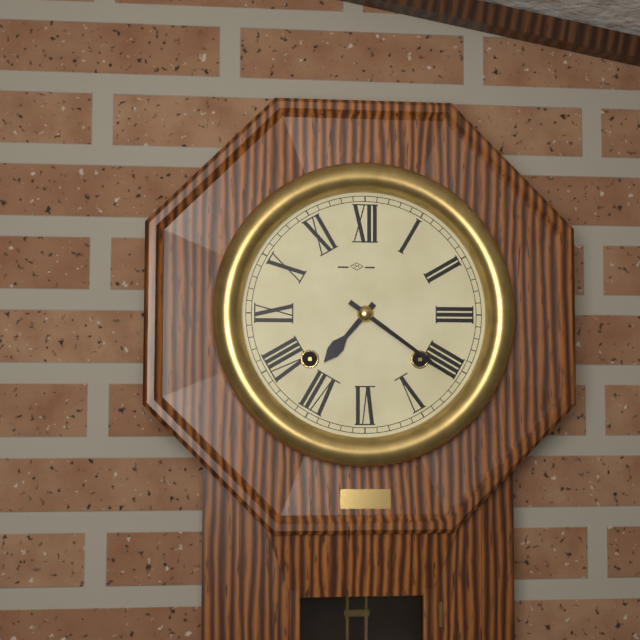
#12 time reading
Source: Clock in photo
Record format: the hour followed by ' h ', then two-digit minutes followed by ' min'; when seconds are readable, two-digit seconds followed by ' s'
7 h 21 min
